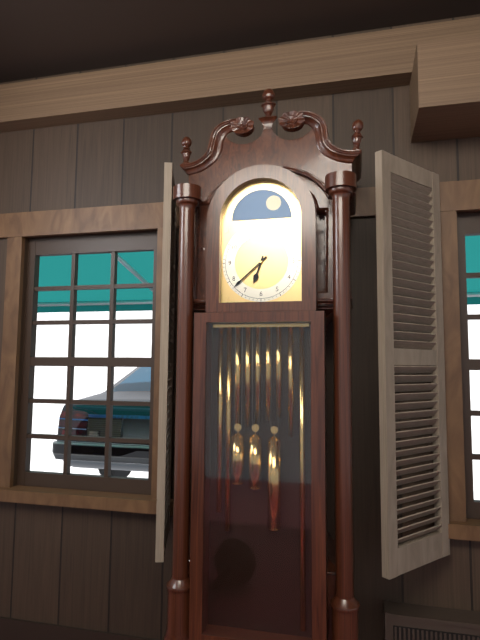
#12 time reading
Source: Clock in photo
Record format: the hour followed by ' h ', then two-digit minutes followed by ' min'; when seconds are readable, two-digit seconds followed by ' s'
6 h 38 min
